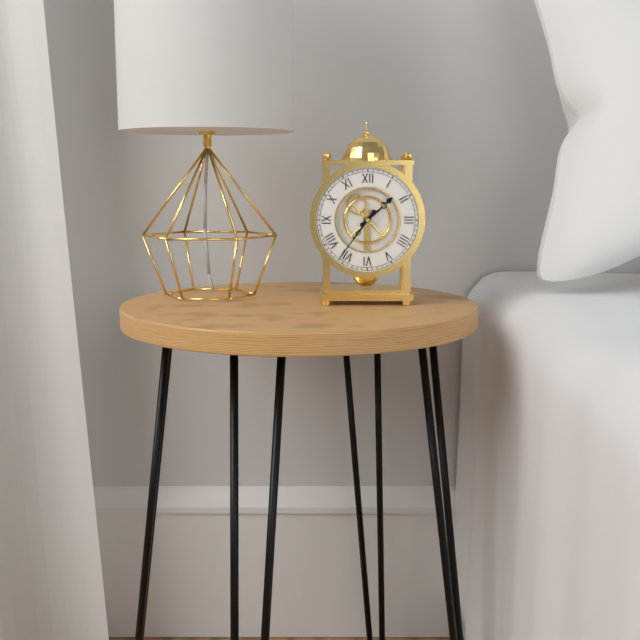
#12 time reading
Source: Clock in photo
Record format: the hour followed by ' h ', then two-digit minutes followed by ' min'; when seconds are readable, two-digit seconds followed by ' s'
1 h 36 min
